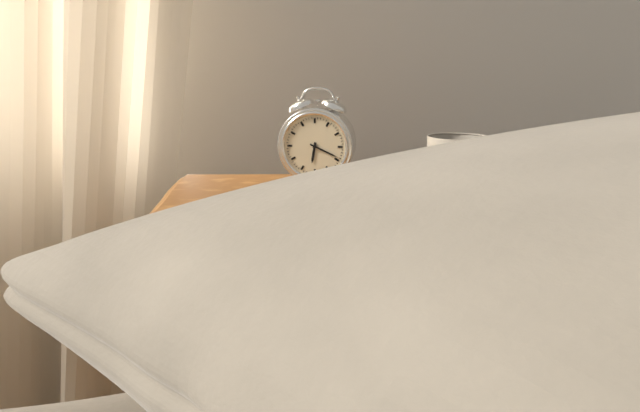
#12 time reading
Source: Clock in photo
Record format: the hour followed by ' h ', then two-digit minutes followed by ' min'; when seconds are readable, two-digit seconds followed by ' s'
6 h 19 min
